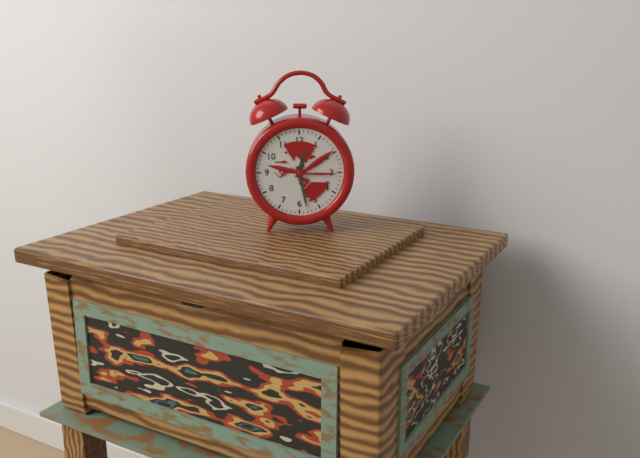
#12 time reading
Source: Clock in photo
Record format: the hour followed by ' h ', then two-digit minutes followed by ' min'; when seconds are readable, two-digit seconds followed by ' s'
12 h 28 min
